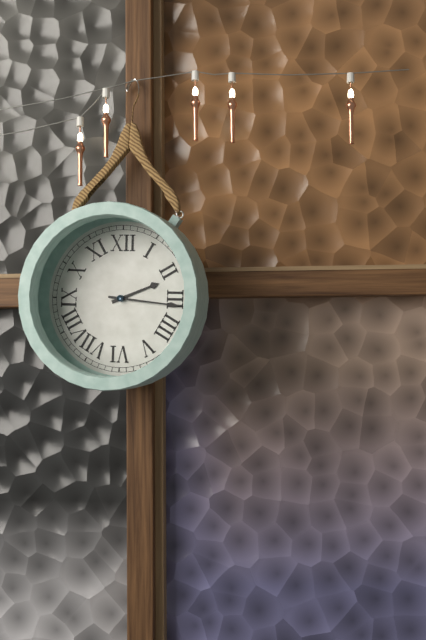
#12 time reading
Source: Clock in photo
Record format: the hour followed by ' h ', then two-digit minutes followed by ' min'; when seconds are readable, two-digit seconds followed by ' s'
2 h 16 min
